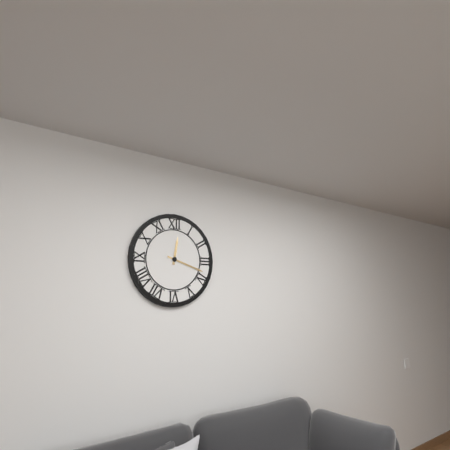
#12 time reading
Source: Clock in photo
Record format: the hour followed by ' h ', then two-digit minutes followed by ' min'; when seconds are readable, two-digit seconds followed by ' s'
12 h 18 min
